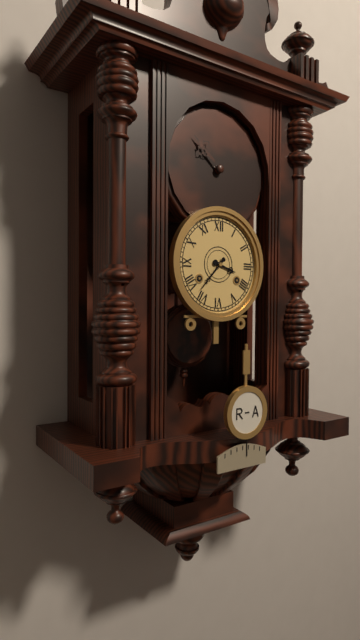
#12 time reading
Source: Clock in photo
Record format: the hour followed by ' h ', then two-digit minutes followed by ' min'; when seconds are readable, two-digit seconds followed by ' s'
3 h 37 min
